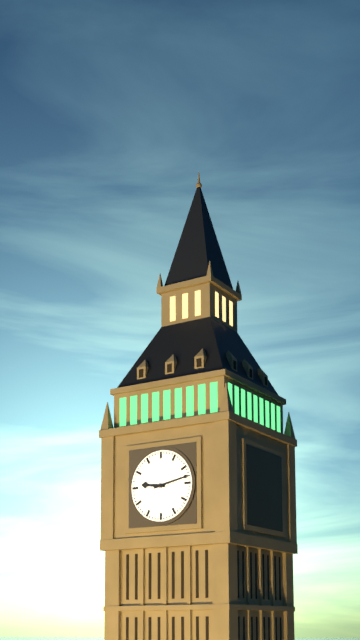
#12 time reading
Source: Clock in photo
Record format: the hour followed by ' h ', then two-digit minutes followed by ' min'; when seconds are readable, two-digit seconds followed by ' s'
9 h 13 min
